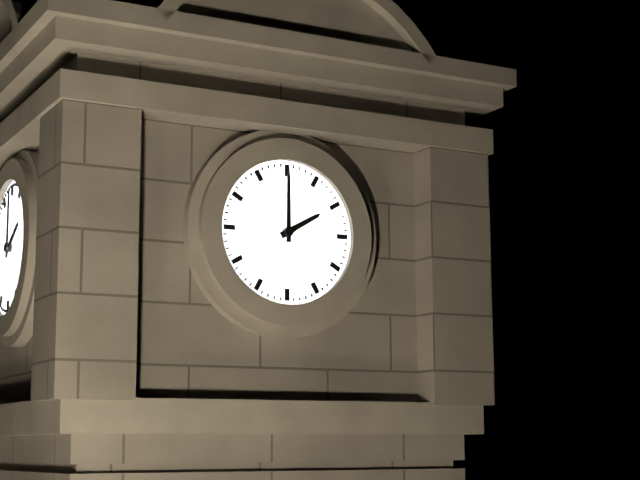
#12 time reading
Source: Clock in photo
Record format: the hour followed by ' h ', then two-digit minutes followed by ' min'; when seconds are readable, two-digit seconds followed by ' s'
2 h 00 min
